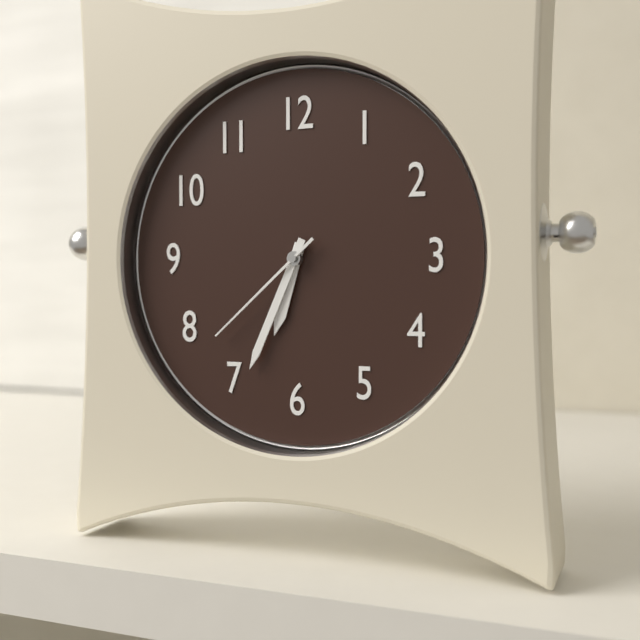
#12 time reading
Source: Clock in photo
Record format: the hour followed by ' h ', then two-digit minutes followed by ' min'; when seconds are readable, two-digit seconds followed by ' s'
6 h 34 min 38 s
